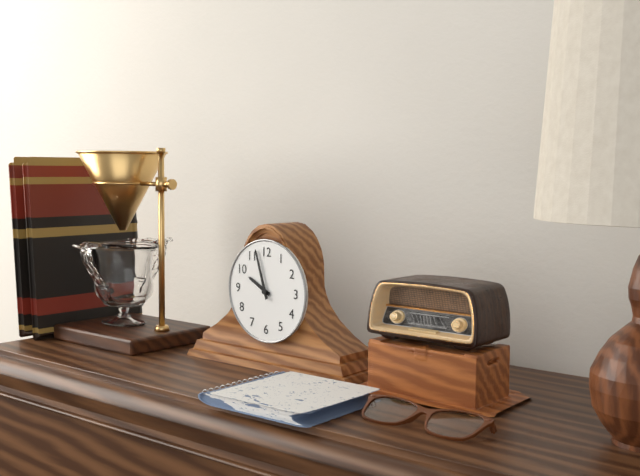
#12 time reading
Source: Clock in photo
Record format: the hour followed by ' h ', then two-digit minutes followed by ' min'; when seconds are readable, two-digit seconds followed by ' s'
9 h 57 min
